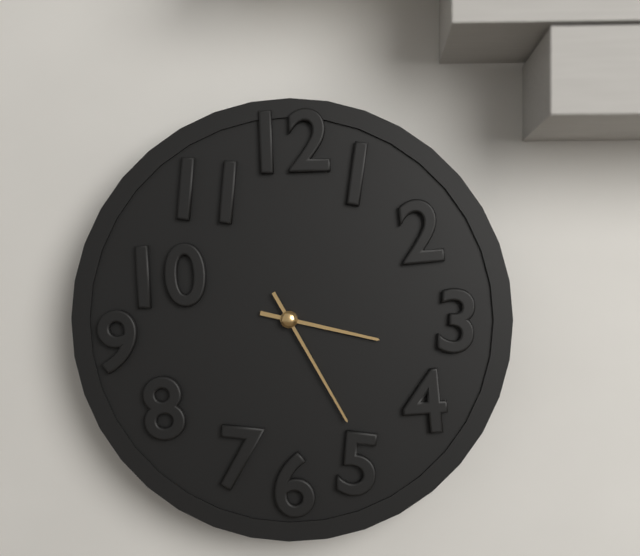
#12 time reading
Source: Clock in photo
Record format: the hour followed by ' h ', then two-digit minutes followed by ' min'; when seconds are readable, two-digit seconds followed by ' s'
3 h 25 min
